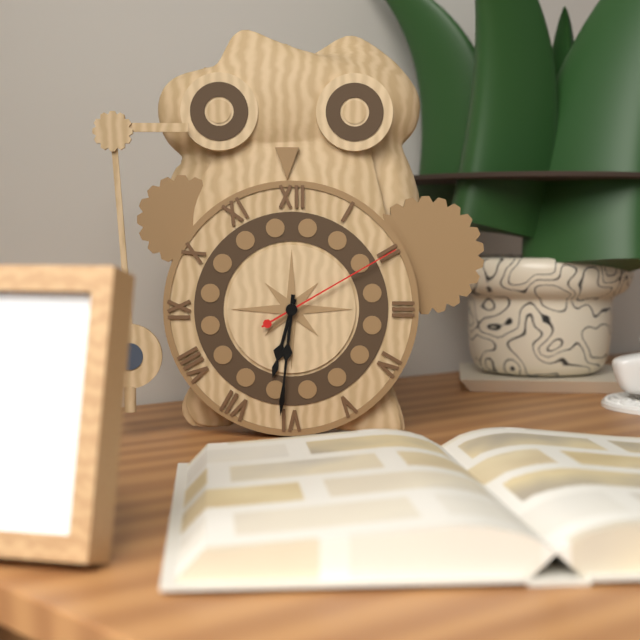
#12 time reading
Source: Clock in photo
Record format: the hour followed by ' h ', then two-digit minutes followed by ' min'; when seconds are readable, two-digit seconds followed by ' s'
6 h 31 min 10 s
